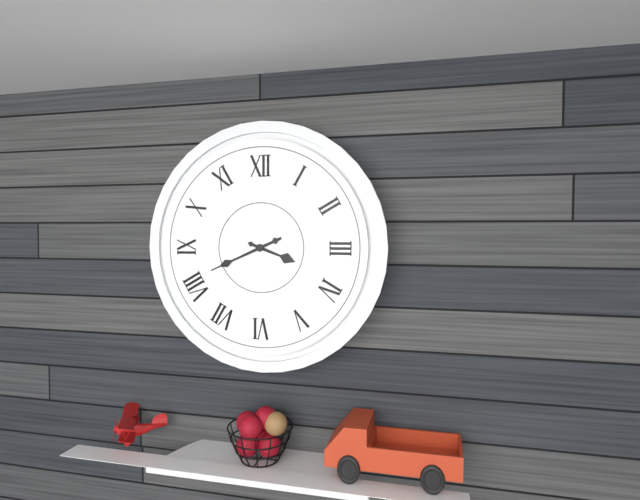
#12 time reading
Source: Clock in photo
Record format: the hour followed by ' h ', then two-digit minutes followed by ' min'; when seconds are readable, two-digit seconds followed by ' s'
3 h 41 min
